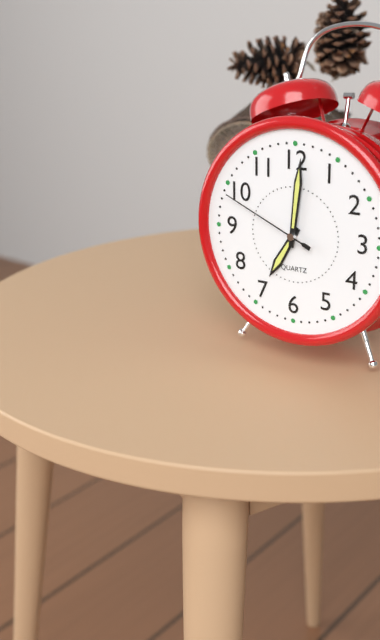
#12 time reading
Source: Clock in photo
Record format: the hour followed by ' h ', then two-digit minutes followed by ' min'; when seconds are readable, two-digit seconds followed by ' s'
7 h 01 min 49 s
